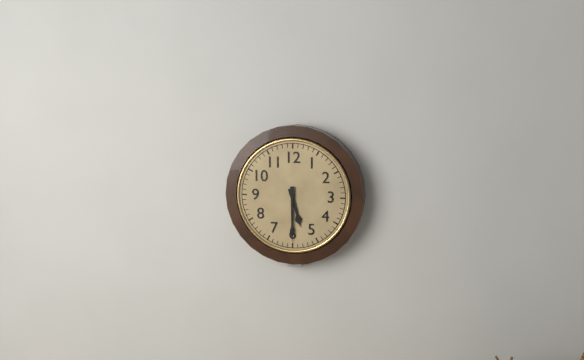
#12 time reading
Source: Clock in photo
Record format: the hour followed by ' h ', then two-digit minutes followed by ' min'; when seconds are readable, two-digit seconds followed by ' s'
5 h 30 min
